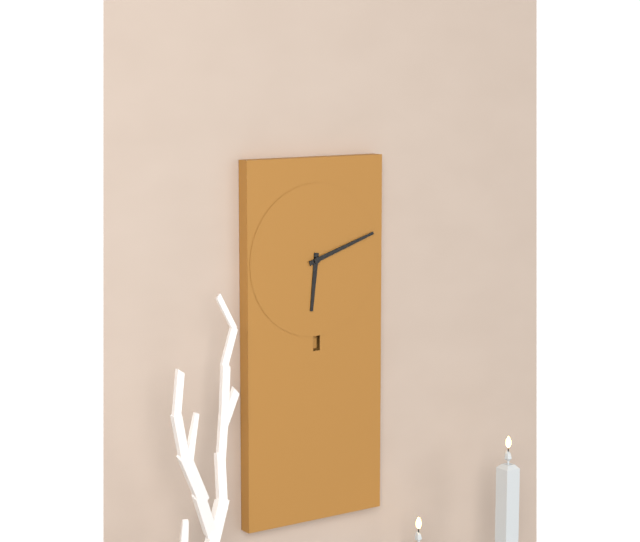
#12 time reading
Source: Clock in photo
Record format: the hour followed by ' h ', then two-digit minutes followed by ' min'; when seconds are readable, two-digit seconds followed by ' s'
6 h 12 min
